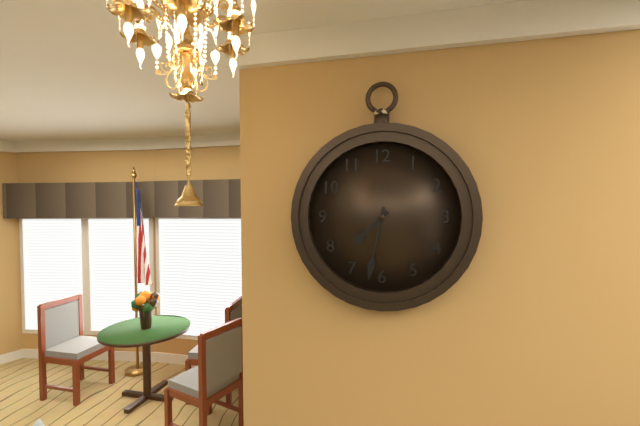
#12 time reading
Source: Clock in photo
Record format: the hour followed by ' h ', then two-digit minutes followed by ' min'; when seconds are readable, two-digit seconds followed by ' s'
7 h 32 min
